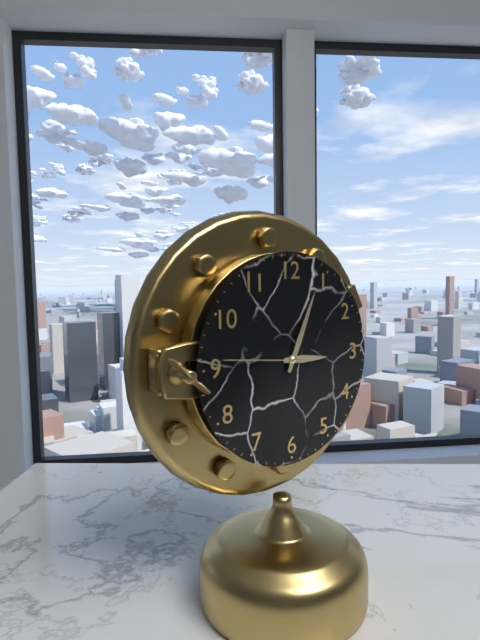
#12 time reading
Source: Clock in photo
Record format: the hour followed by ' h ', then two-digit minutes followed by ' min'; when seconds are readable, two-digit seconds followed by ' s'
3 h 04 min 46 s
